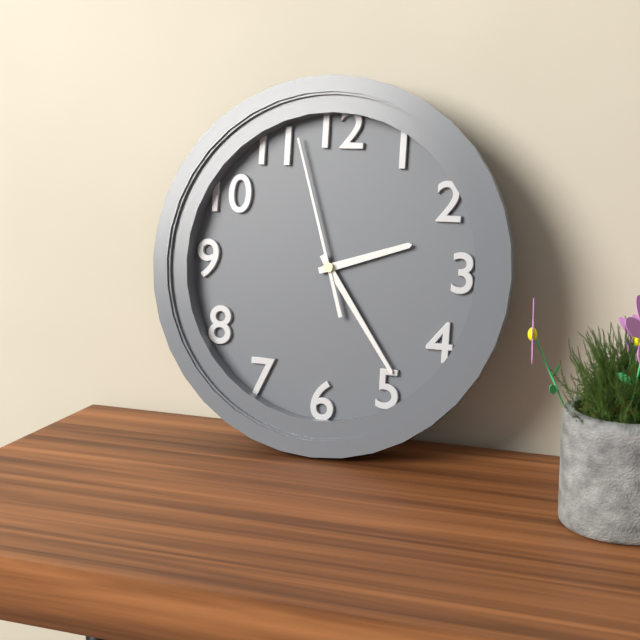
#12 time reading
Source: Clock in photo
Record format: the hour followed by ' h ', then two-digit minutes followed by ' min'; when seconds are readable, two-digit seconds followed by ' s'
2 h 24 min 57 s
